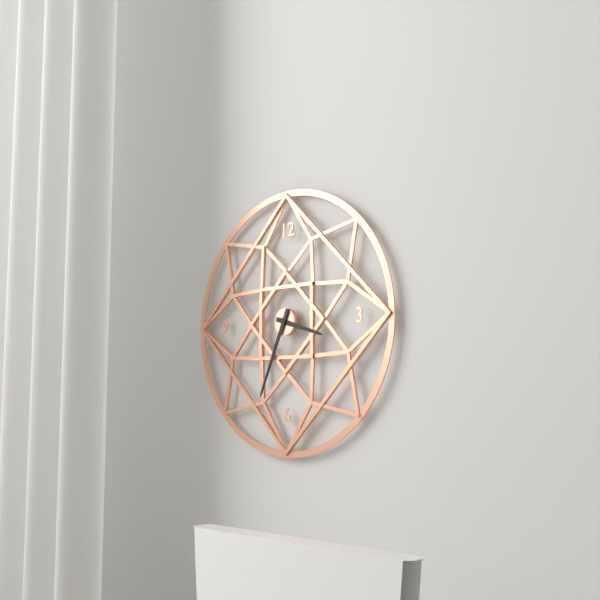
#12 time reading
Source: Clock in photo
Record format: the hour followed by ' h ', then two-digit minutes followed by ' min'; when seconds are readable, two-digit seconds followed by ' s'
3 h 34 min
